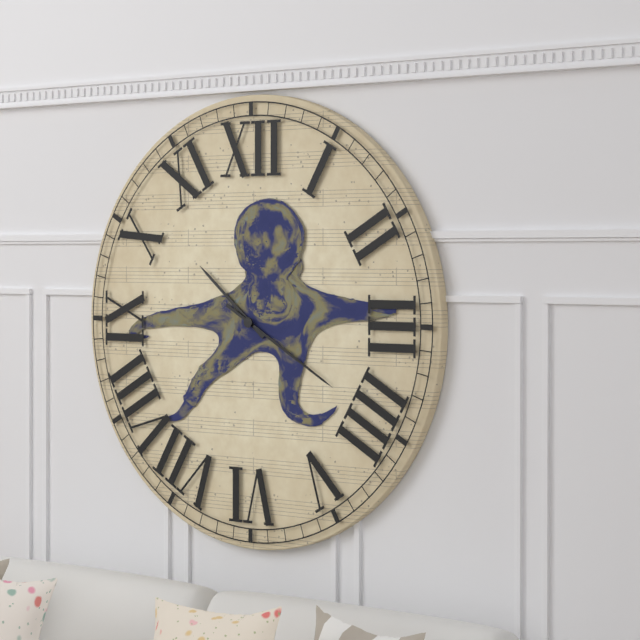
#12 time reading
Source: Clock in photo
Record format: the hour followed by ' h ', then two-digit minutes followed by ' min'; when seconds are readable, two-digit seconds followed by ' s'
10 h 20 min
